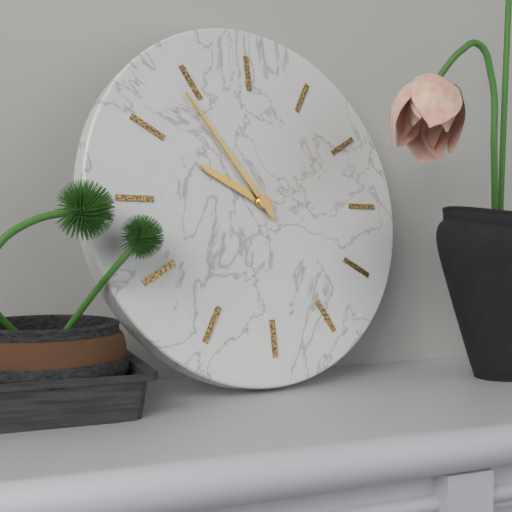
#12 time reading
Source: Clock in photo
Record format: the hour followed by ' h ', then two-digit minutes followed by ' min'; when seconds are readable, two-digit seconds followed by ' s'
9 h 54 min
